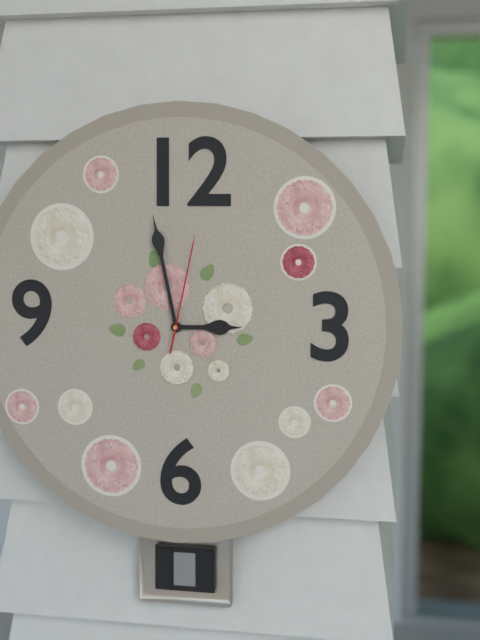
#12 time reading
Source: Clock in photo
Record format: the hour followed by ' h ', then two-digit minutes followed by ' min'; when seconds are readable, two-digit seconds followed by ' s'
2 h 58 min 02 s
